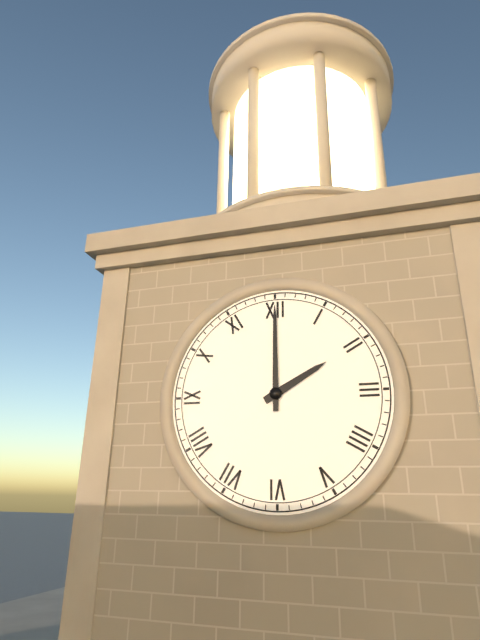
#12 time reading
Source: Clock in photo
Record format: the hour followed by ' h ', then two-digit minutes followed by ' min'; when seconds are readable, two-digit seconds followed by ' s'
2 h 00 min
